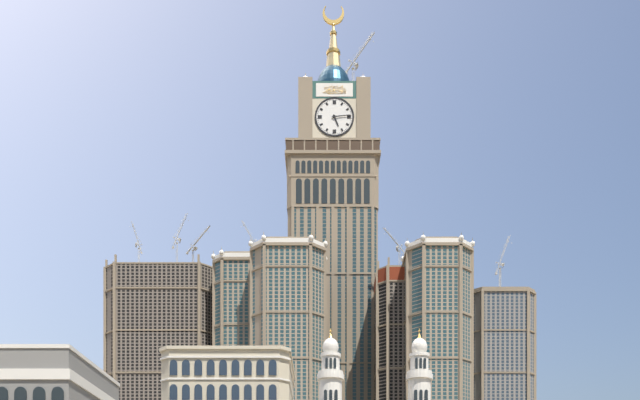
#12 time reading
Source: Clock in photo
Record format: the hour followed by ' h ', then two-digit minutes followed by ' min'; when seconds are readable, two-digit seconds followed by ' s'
5 h 14 min
